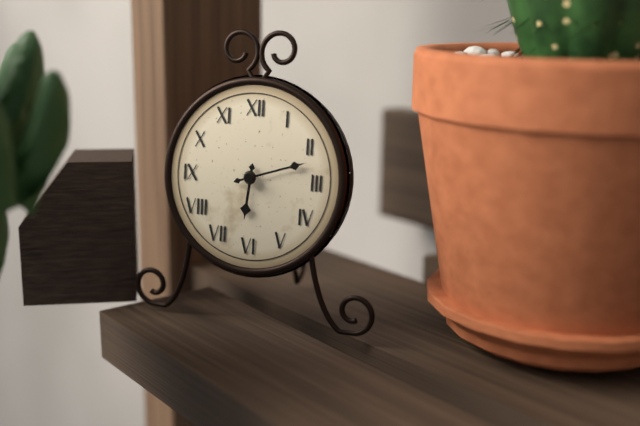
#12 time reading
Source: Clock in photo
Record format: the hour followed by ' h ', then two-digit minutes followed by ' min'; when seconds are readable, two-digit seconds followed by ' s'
6 h 12 min
